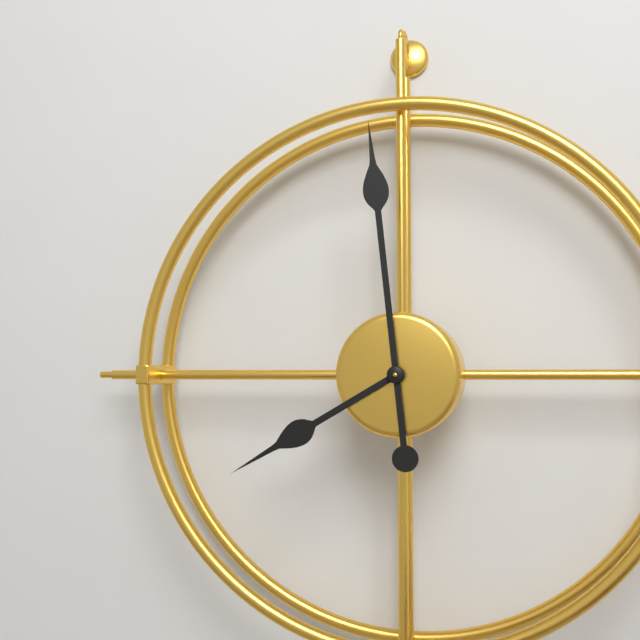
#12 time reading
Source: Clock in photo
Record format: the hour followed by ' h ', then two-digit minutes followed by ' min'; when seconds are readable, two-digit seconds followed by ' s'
7 h 59 min
